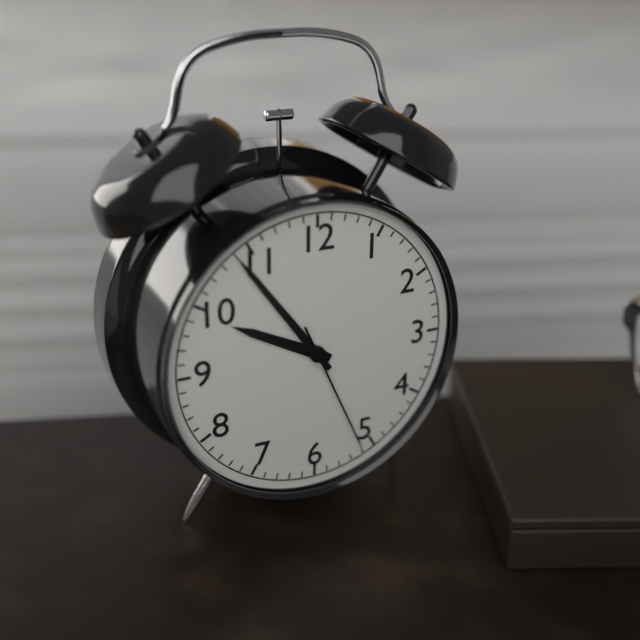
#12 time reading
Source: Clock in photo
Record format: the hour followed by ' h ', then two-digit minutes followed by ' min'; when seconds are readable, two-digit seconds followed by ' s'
9 h 54 min 26 s
